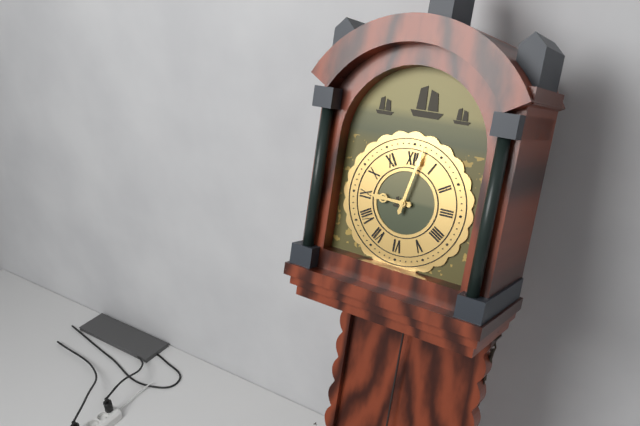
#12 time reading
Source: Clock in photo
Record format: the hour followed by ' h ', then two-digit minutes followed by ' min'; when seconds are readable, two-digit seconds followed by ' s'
9 h 02 min
